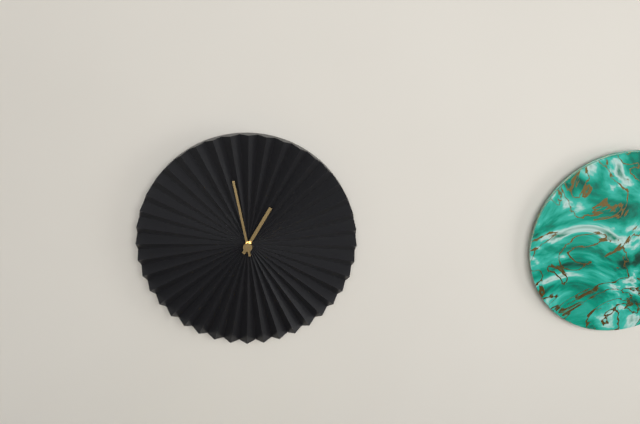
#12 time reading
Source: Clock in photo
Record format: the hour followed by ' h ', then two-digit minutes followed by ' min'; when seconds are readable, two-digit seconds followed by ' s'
12 h 58 min
